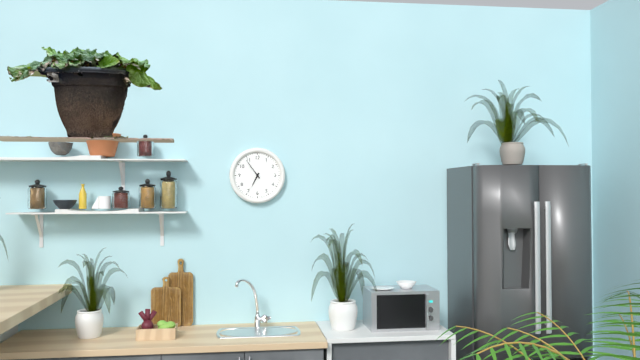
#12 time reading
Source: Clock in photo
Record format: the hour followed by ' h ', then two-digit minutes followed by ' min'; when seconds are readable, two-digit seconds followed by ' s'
6 h 54 min
